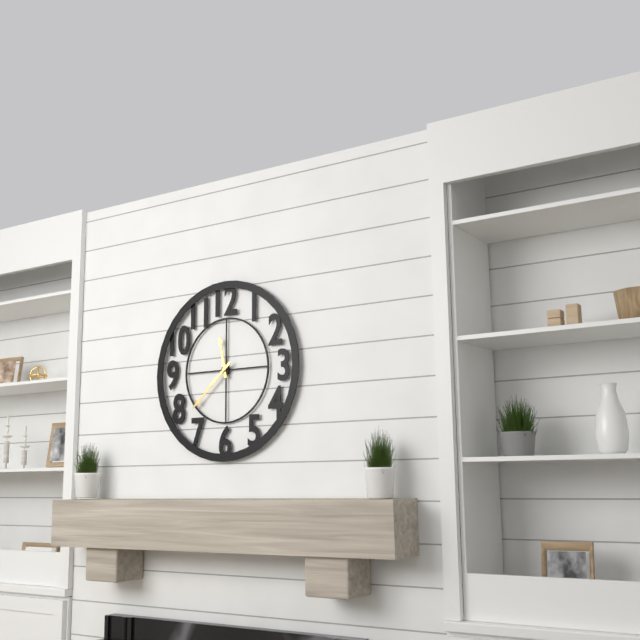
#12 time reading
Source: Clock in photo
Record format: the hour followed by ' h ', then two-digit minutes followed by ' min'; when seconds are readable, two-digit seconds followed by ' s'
11 h 38 min
